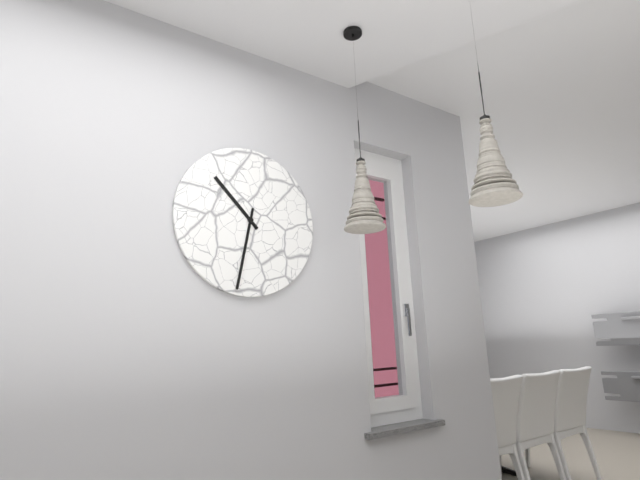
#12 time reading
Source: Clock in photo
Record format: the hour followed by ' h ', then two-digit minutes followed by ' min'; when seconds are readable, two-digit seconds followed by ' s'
10 h 32 min
